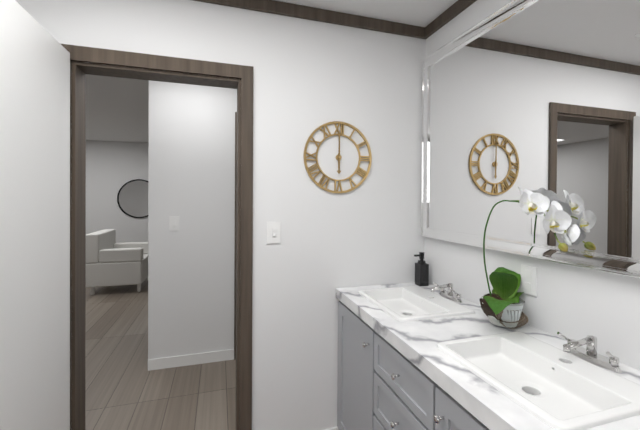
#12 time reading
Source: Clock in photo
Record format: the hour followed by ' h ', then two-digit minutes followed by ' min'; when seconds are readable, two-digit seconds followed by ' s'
6 h 00 min
